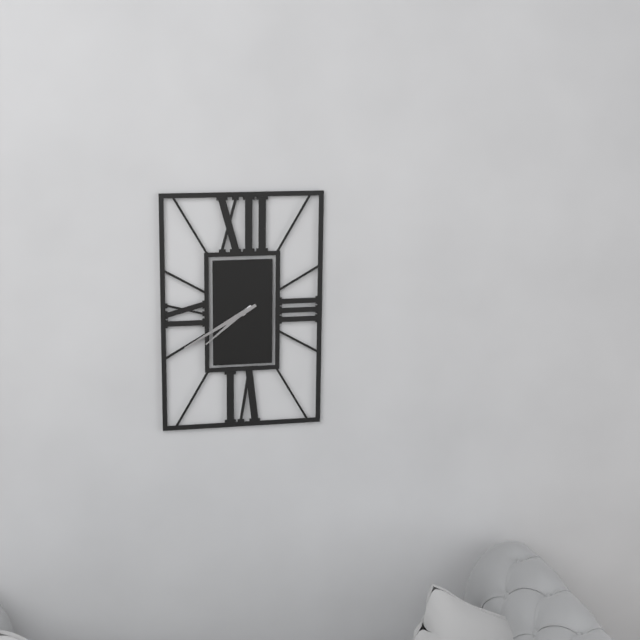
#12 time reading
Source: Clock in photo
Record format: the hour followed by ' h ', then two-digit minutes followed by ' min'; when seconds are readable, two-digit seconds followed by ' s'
7 h 40 min
